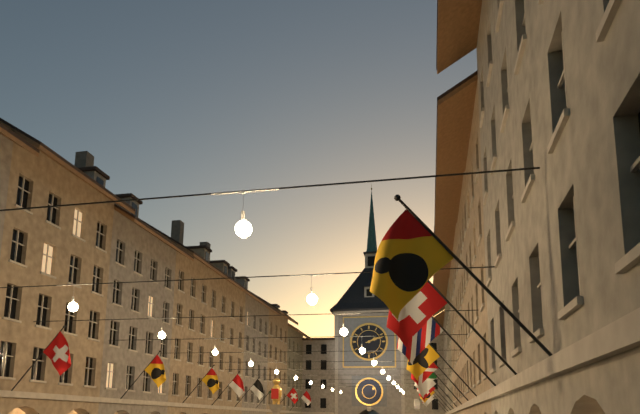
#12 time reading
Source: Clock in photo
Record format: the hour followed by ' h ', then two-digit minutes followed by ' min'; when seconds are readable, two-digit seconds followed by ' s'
2 h 12 min
